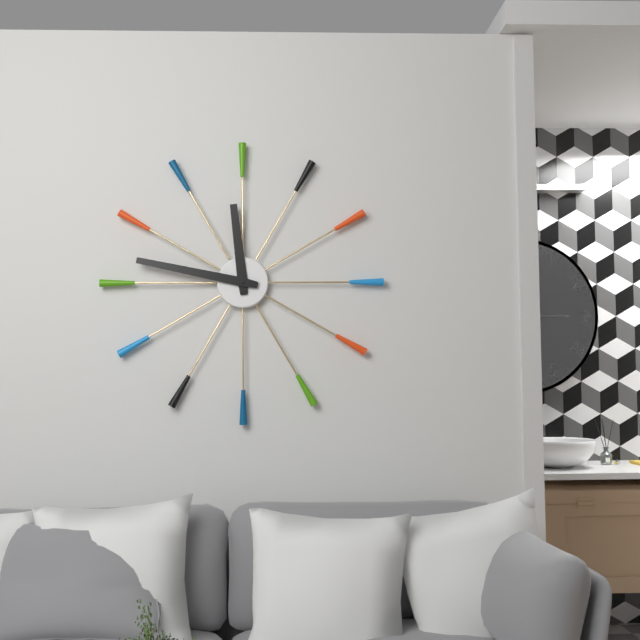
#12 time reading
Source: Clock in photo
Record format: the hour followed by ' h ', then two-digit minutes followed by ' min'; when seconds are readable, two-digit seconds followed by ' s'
11 h 47 min
